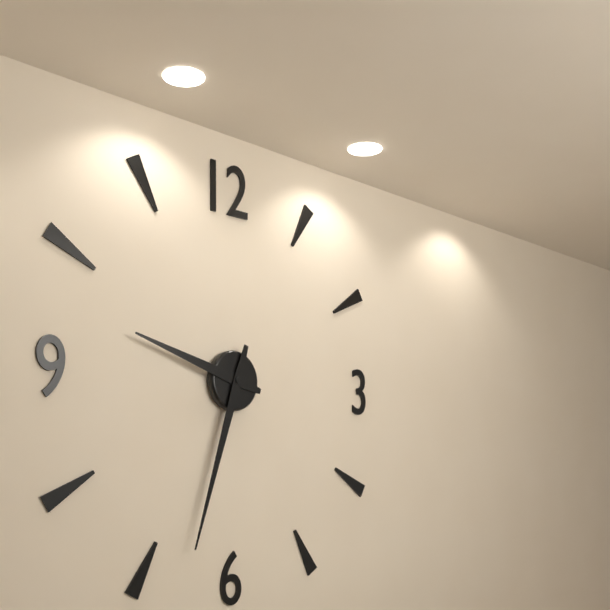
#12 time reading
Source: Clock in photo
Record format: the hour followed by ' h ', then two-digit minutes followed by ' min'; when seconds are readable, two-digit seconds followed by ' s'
9 h 33 min
